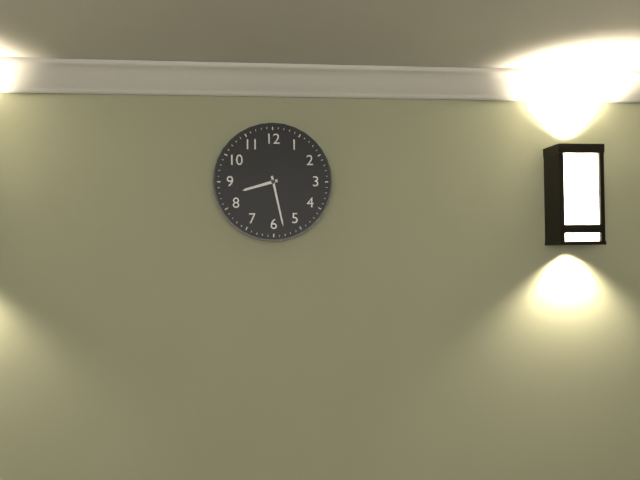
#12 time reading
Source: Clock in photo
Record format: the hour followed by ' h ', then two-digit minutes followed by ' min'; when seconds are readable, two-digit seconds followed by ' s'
8 h 28 min
